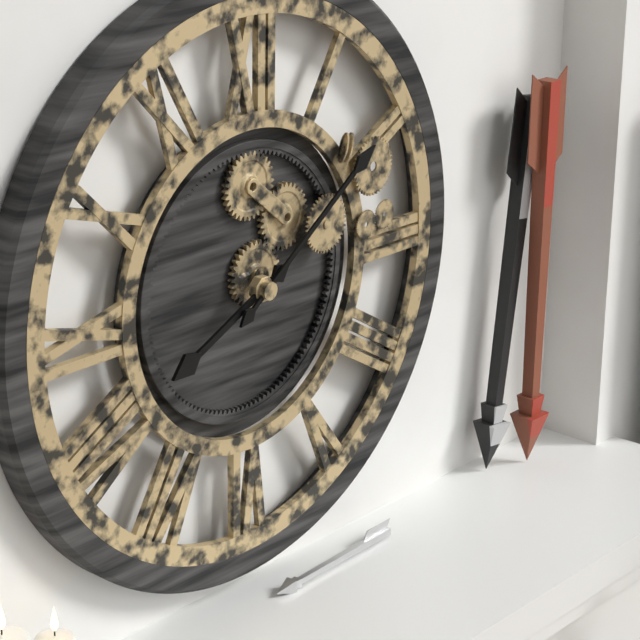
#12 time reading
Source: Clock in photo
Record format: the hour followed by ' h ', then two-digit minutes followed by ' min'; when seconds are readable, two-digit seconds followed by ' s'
8 h 09 min
